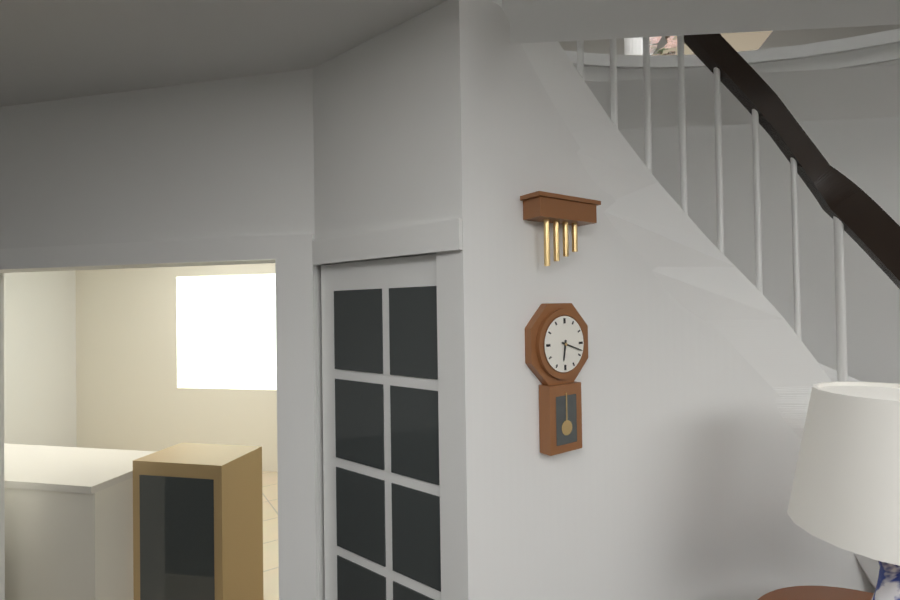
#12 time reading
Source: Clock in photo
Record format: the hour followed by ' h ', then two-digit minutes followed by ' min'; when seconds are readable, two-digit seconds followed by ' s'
6 h 18 min
